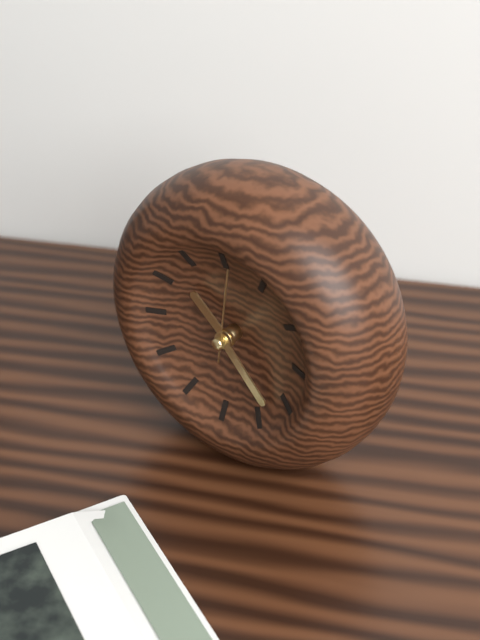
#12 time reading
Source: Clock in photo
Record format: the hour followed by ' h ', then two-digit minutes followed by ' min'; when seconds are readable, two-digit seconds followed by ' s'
10 h 23 min 01 s
